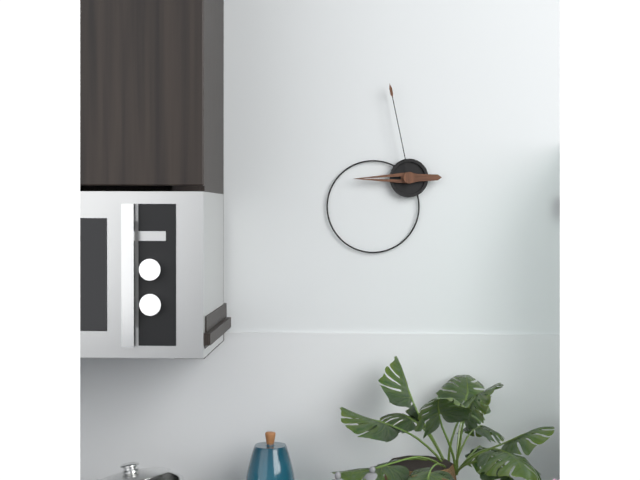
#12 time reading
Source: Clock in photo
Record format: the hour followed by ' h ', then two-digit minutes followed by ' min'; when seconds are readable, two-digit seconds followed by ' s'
8 h 58 min
